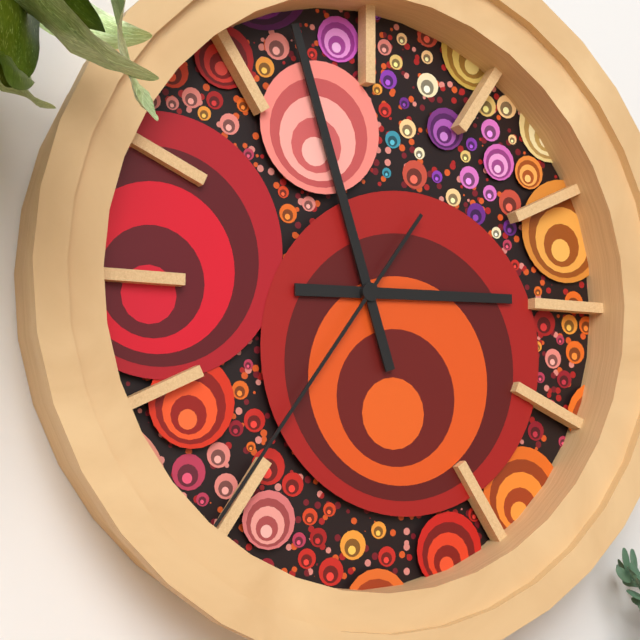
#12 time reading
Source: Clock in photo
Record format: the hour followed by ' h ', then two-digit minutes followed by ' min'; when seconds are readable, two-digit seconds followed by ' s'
2 h 57 min 36 s
